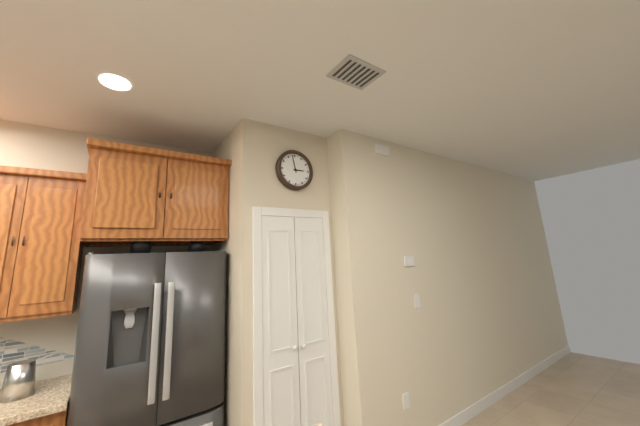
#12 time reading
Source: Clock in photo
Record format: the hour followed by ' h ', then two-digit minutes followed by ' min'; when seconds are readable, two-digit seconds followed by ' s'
2 h 58 min
